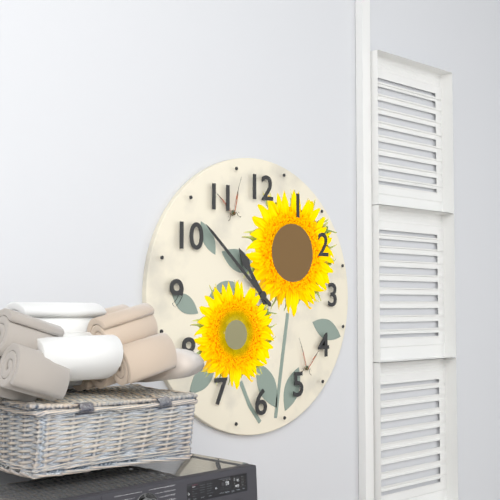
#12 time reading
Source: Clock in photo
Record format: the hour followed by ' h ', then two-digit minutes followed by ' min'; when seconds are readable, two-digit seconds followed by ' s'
10 h 52 min
